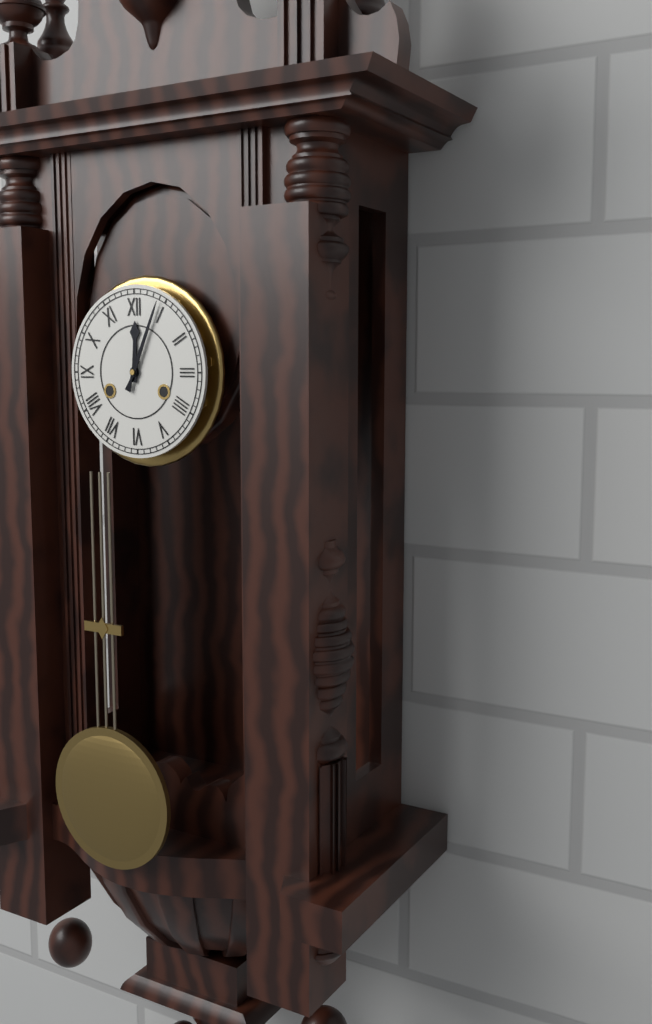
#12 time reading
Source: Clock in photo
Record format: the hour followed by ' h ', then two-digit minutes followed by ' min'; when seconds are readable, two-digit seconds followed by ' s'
12 h 04 min
